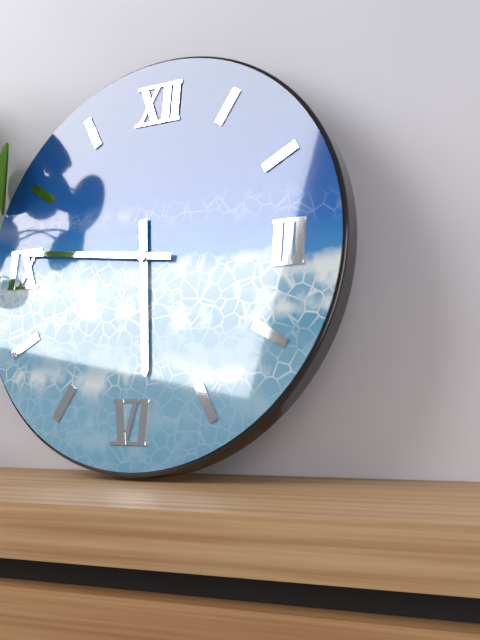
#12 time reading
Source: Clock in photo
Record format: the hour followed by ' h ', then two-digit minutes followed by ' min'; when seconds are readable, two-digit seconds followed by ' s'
5 h 46 min
